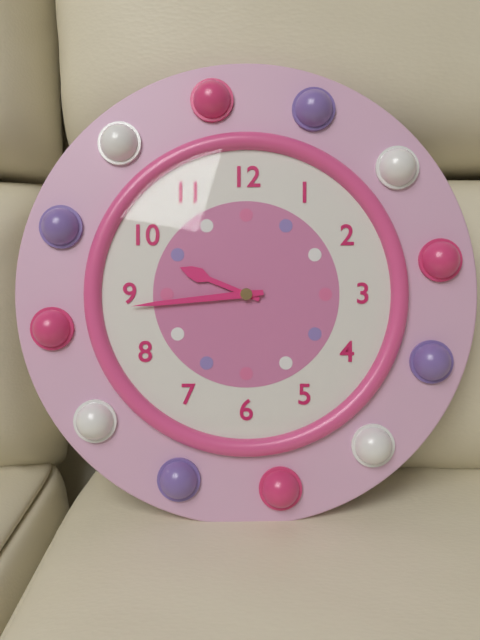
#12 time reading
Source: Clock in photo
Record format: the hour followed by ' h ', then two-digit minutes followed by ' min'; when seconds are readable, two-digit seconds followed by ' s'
9 h 44 min
